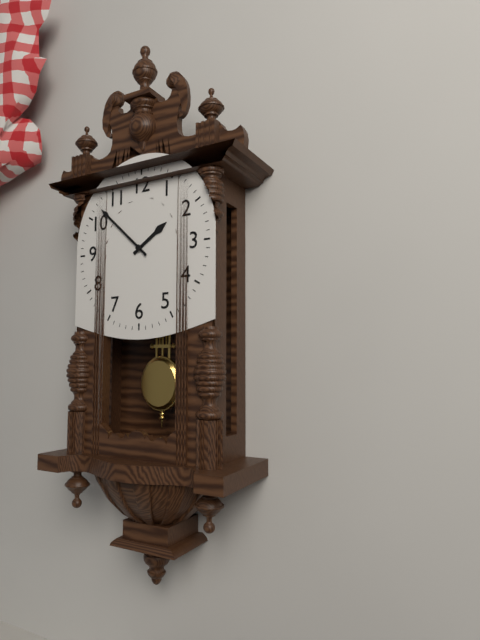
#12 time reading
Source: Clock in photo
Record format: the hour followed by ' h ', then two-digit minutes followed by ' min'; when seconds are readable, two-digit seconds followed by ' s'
1 h 52 min
